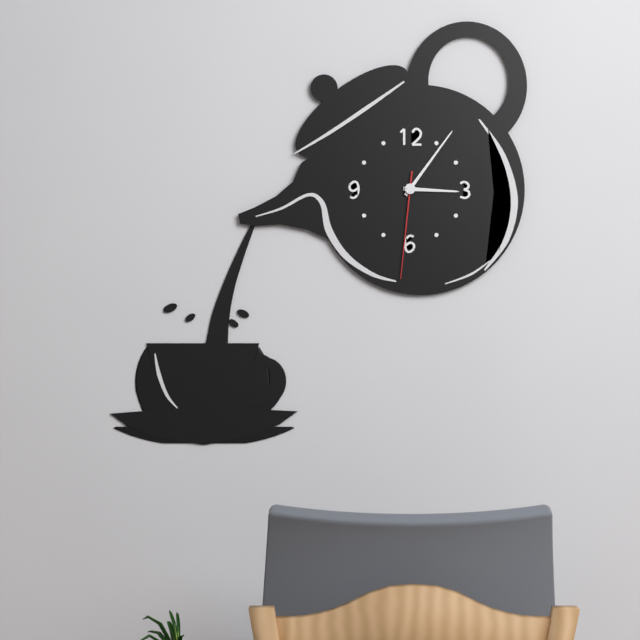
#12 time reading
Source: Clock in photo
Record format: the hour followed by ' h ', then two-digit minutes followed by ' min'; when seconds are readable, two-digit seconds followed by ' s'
3 h 06 min 31 s
